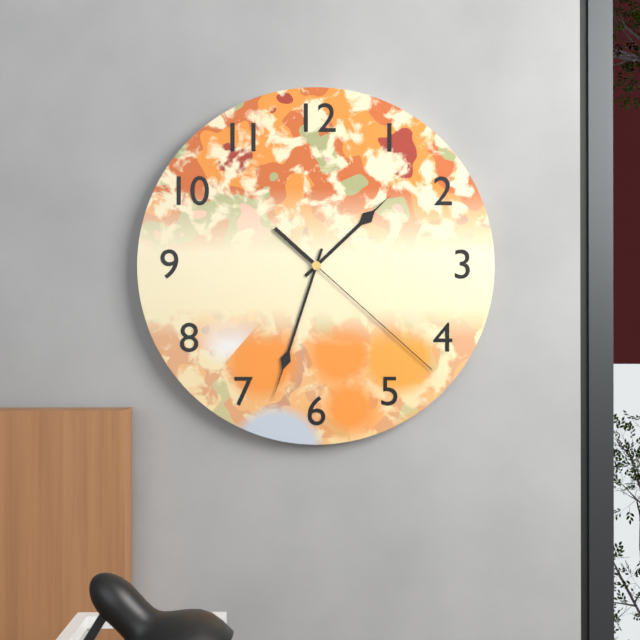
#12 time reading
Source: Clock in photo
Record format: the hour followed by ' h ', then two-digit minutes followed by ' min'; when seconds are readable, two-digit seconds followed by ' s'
1 h 33 min 22 s
